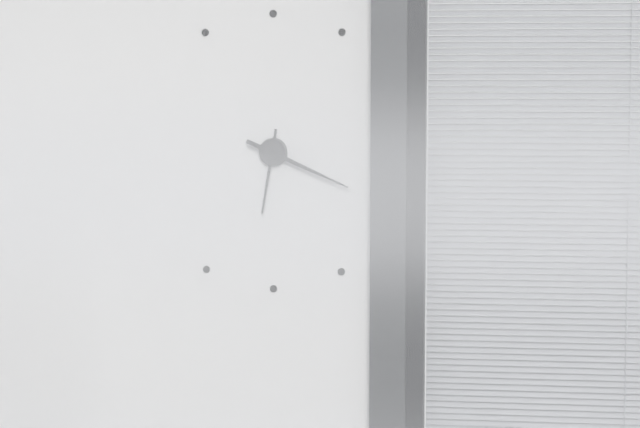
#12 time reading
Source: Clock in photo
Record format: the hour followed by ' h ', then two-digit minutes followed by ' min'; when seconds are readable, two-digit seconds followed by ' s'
6 h 19 min
